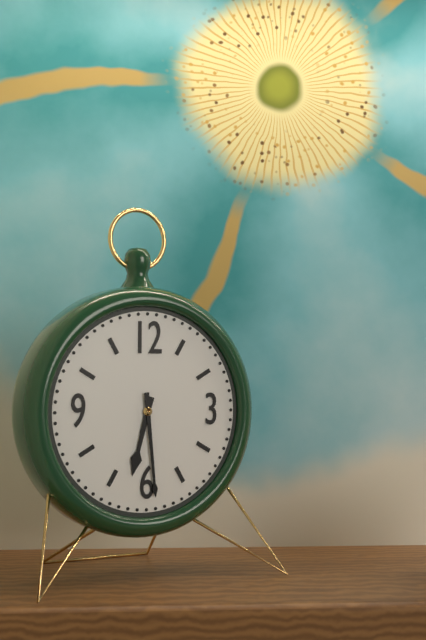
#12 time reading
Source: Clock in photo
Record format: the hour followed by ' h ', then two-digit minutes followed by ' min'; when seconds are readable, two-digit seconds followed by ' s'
6 h 29 min
